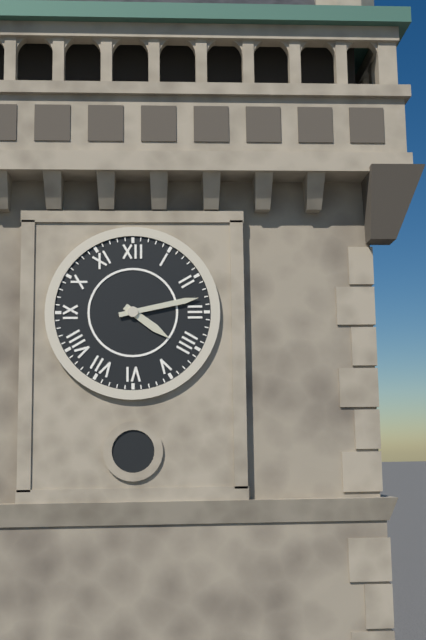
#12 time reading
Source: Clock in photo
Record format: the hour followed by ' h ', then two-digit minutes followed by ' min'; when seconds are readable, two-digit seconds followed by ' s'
4 h 13 min
